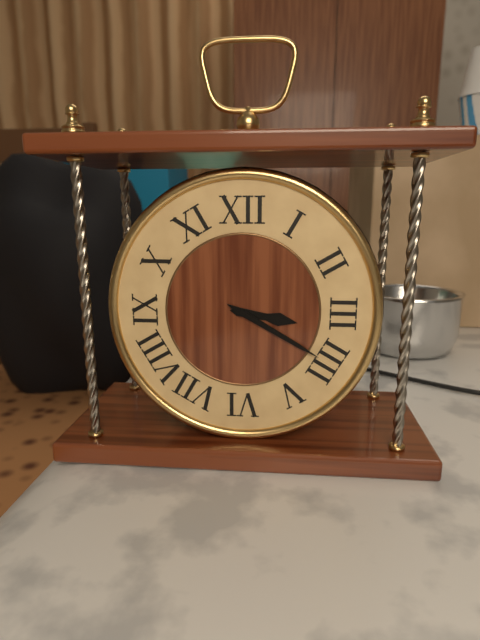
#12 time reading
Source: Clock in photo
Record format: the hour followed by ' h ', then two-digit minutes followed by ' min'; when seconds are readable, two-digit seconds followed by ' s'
3 h 20 min
